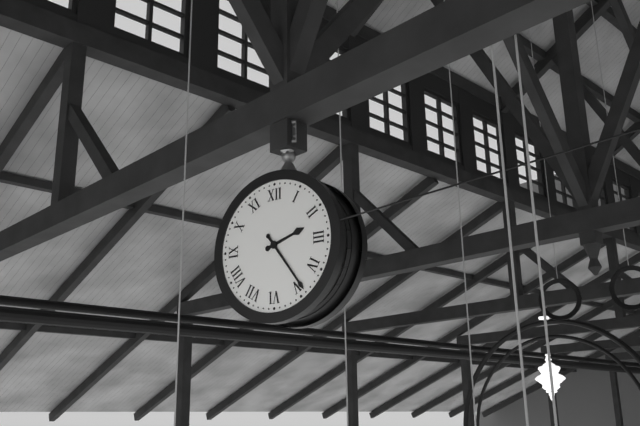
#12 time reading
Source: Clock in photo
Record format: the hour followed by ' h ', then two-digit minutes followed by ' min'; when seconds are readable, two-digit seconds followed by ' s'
2 h 24 min
